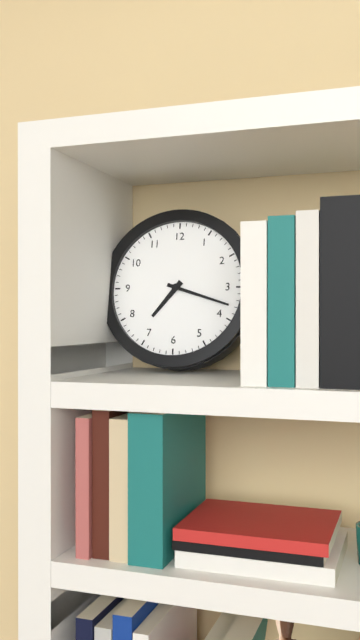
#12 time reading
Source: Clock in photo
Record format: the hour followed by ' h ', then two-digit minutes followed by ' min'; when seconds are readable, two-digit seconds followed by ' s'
7 h 18 min
